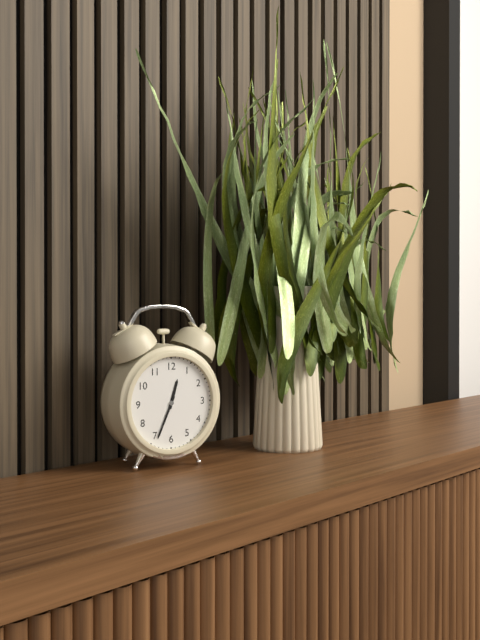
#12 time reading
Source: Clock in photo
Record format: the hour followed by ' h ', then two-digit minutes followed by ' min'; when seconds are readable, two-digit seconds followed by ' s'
12 h 34 min
